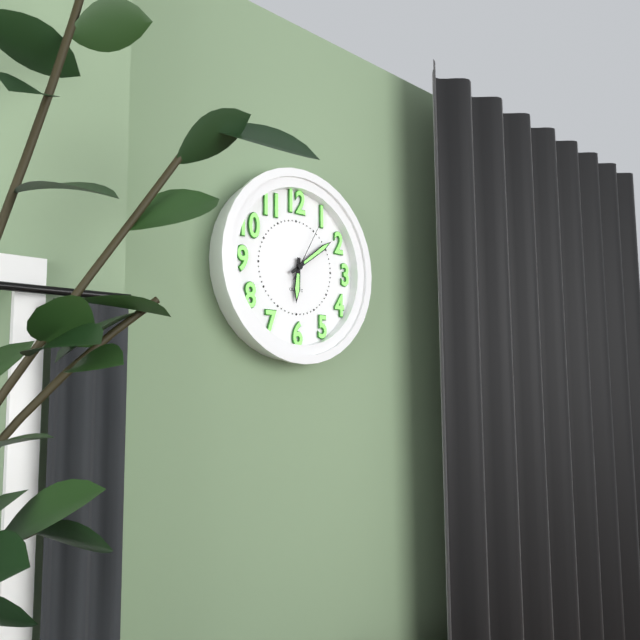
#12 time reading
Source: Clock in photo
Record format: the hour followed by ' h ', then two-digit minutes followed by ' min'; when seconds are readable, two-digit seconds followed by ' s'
6 h 09 min 05 s
